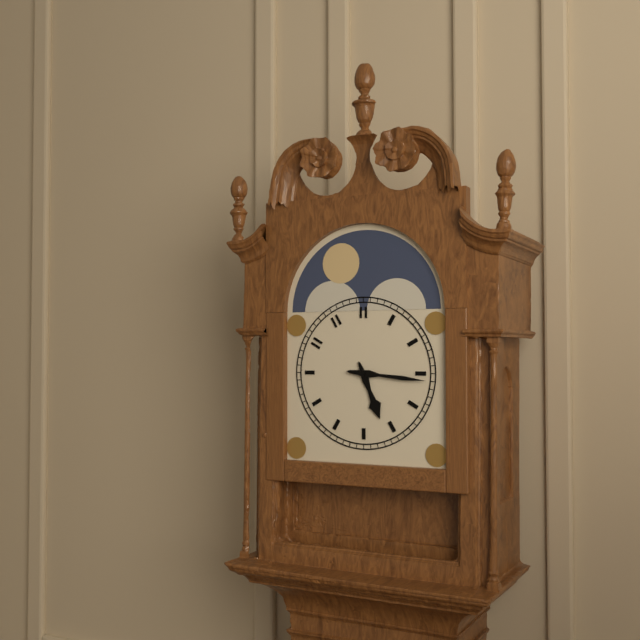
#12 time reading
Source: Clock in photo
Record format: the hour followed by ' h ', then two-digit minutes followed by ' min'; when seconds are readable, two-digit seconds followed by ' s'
5 h 16 min
